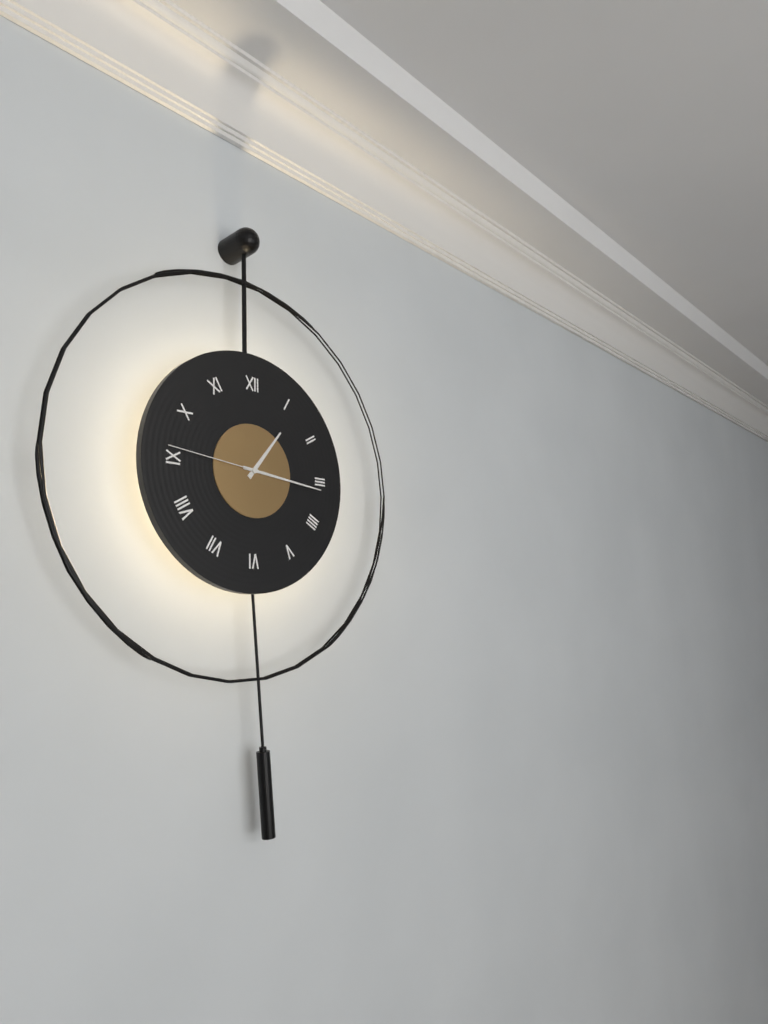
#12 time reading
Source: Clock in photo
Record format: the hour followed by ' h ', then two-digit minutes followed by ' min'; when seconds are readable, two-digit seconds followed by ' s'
1 h 16 min 46 s
